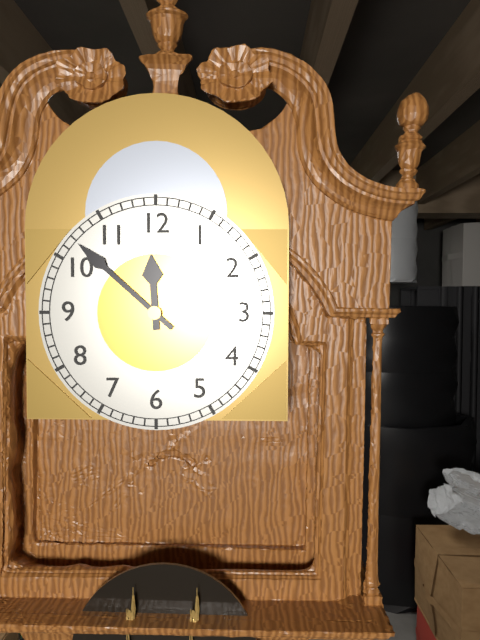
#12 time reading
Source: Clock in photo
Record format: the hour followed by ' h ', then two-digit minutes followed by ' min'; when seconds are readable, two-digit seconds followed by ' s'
11 h 52 min
